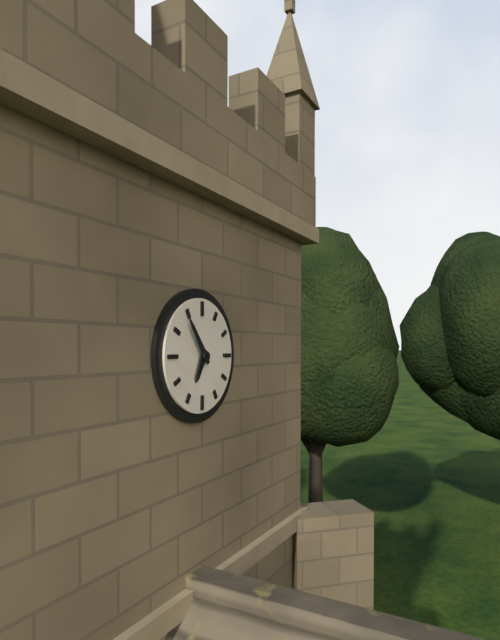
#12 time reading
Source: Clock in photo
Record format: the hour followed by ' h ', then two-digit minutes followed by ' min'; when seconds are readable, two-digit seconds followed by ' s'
6 h 54 min
